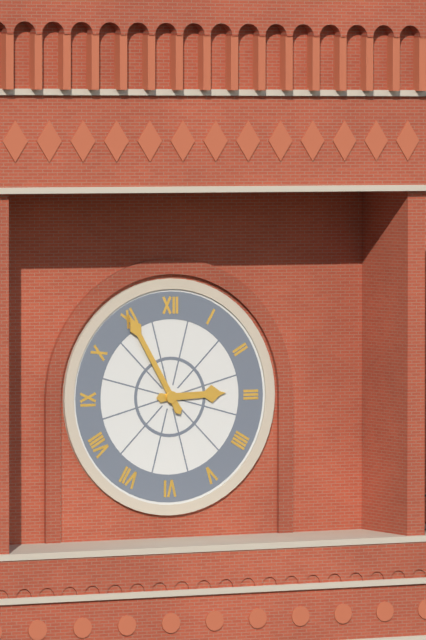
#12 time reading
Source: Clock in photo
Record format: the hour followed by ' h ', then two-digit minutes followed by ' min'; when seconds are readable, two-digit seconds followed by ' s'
2 h 55 min
